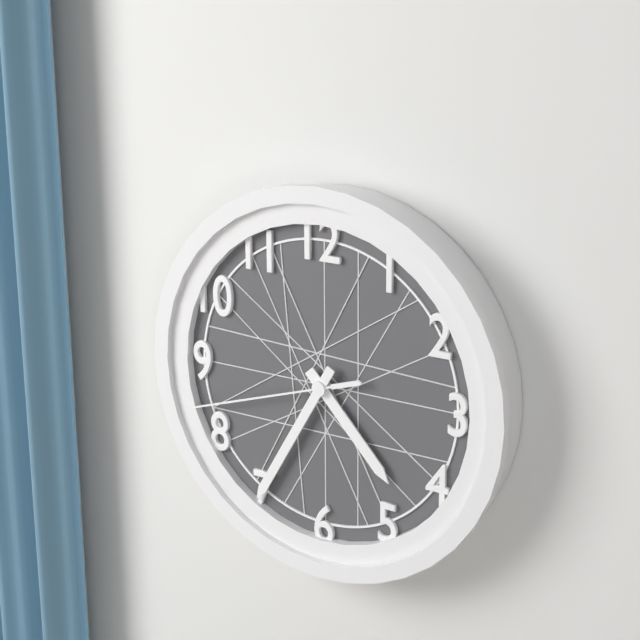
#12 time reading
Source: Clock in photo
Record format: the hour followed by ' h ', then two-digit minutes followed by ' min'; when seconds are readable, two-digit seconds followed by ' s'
4 h 35 min 42 s
